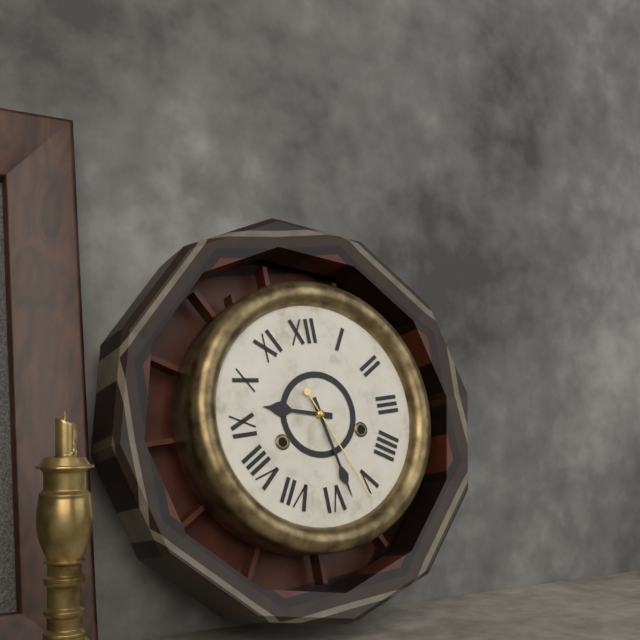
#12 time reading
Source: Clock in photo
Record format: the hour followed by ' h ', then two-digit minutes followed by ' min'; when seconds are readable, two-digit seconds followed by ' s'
9 h 28 min 26 s
